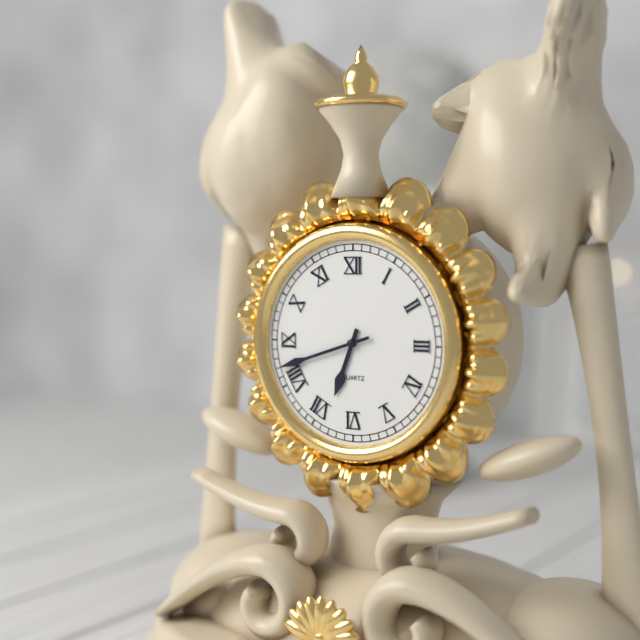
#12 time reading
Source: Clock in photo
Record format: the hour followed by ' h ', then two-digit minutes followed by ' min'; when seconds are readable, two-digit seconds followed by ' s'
6 h 42 min
